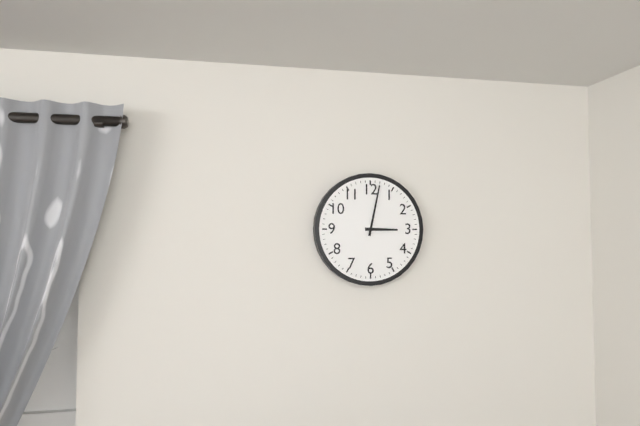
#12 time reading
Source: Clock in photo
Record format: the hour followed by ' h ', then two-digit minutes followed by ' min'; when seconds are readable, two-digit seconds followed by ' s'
3 h 02 min
